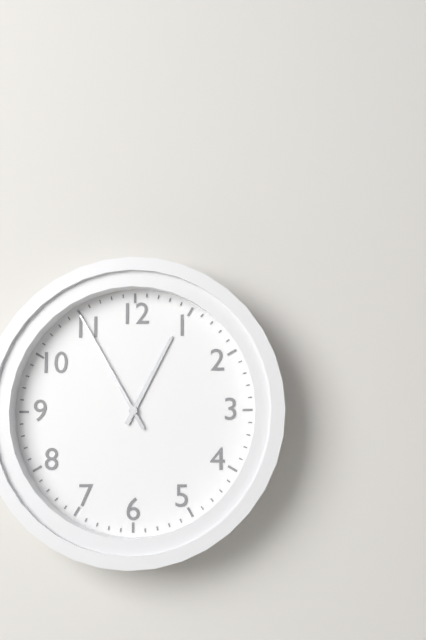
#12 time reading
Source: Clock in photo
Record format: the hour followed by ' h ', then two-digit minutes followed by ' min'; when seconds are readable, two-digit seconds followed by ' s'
12 h 55 min
